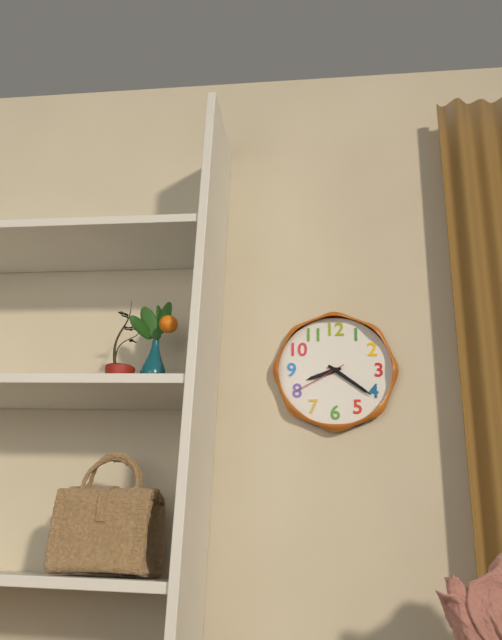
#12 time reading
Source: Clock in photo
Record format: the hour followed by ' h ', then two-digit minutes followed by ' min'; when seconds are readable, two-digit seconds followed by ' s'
8 h 21 min 40 s
